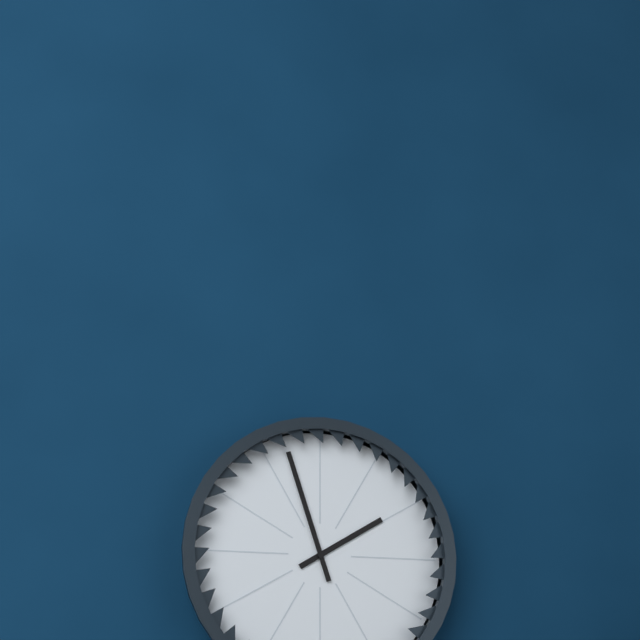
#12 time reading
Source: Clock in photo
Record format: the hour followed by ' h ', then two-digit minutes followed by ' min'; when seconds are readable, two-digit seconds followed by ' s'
1 h 57 min
